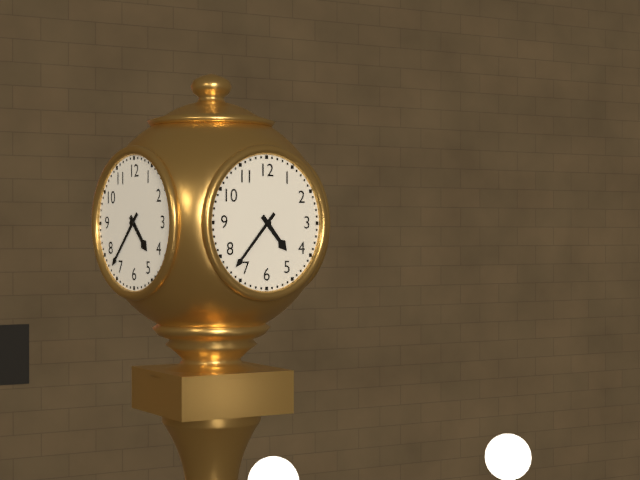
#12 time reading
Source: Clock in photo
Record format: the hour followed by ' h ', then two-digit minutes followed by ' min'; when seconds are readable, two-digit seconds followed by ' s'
4 h 37 min
